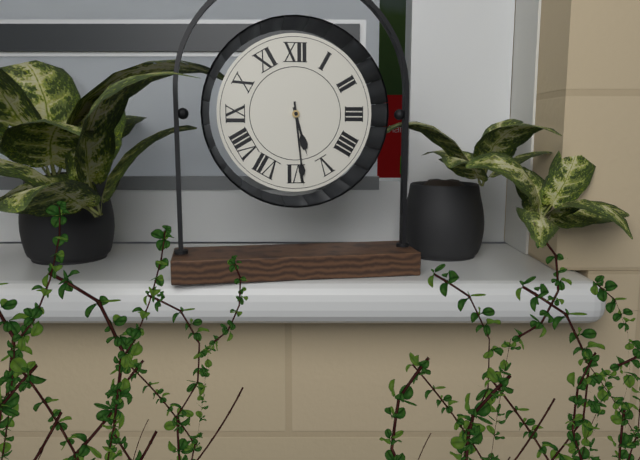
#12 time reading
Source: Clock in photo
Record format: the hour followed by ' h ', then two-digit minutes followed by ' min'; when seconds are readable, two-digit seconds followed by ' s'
5 h 29 min
